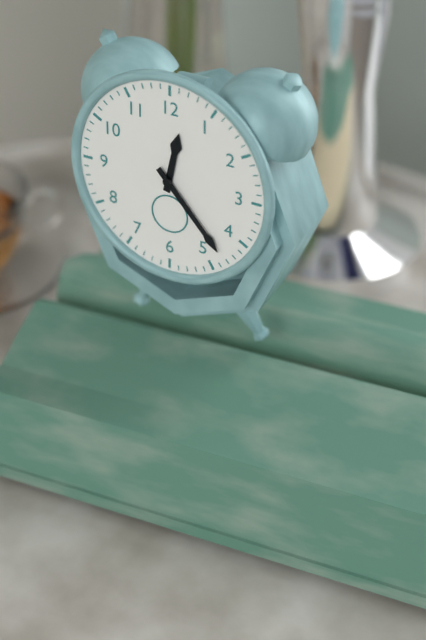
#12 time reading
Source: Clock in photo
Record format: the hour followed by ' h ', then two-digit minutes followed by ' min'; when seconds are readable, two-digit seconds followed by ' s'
12 h 23 min
